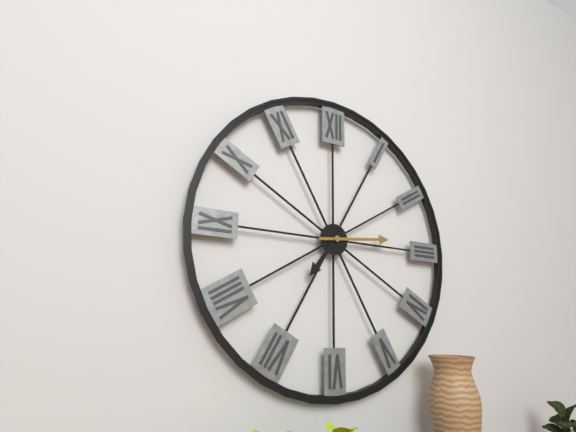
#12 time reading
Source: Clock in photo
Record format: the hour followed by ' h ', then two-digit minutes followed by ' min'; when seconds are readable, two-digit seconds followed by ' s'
7 h 14 min
